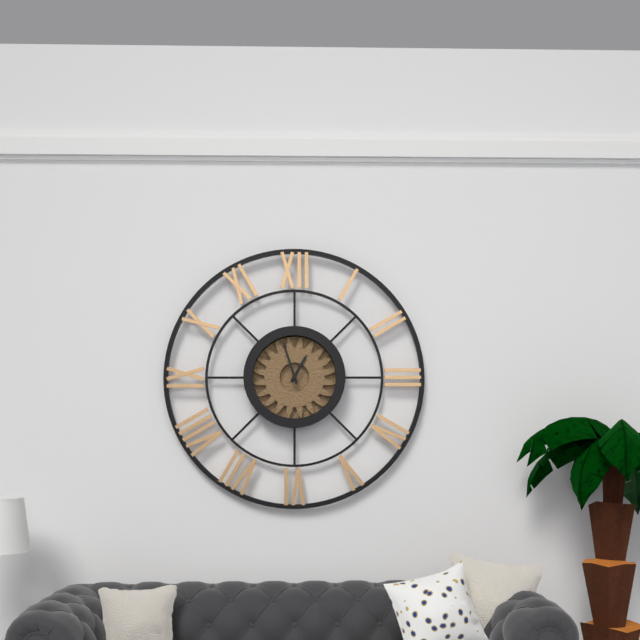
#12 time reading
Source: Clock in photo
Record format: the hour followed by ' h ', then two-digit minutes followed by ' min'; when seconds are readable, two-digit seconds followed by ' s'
12 h 57 min
